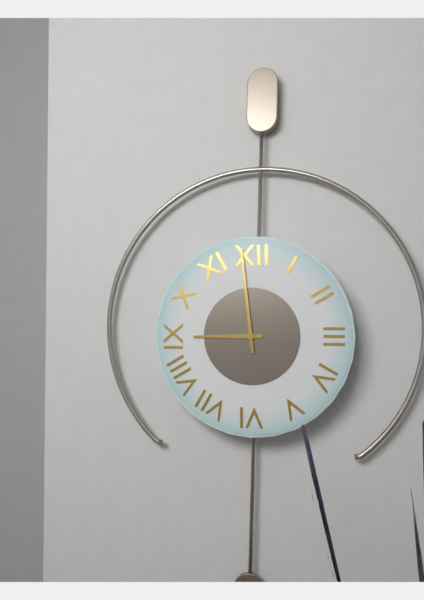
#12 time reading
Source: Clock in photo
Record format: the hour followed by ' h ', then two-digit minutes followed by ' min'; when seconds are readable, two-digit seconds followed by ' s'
8 h 59 min
